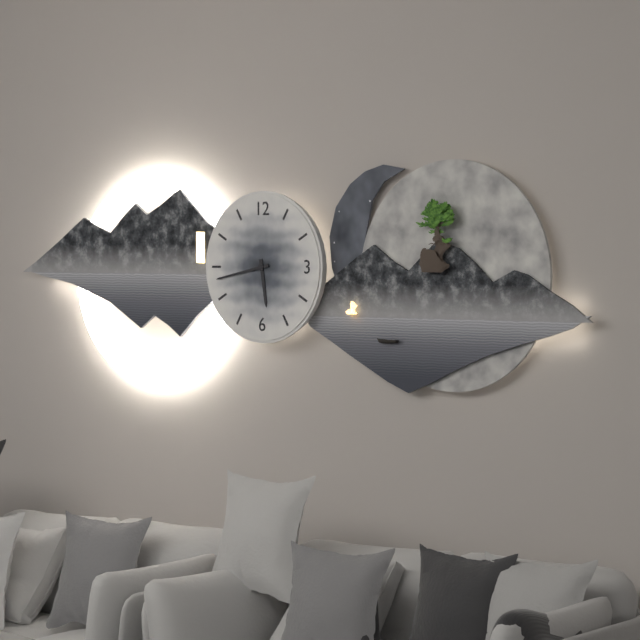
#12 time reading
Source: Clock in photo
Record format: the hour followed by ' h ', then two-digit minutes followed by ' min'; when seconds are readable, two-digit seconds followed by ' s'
5 h 43 min
